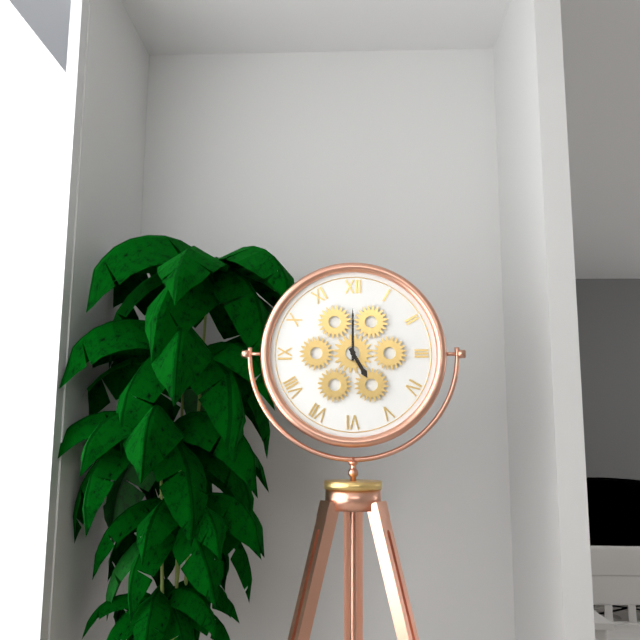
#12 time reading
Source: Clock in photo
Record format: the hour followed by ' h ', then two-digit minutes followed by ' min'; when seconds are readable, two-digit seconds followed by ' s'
5 h 00 min
